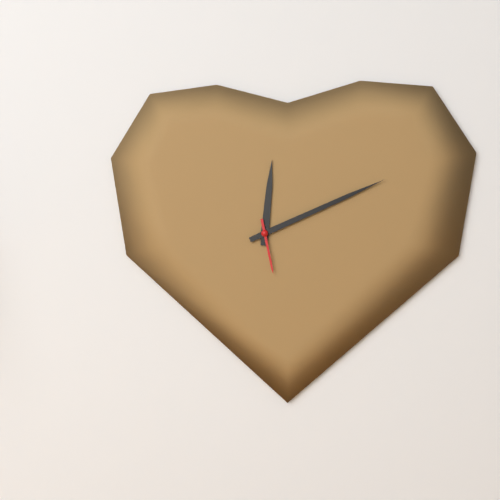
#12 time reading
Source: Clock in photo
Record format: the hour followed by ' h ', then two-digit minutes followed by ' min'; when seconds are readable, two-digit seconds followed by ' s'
12 h 11 min 28 s
